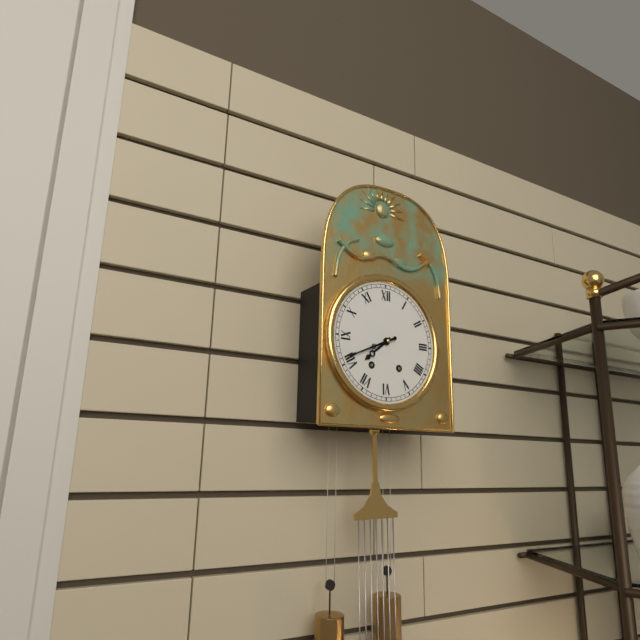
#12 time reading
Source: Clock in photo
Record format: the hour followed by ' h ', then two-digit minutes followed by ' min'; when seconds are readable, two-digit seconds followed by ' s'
7 h 41 min
